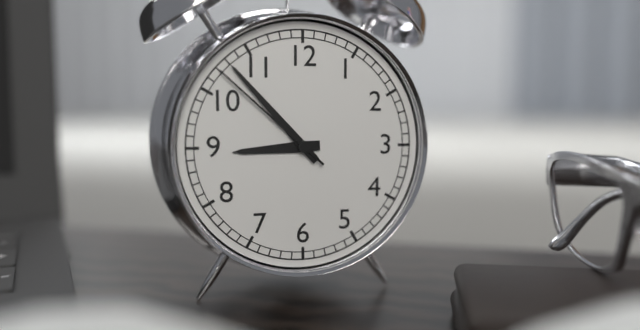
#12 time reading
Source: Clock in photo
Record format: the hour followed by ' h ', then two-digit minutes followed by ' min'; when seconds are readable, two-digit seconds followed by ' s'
8 h 53 min 52 s
